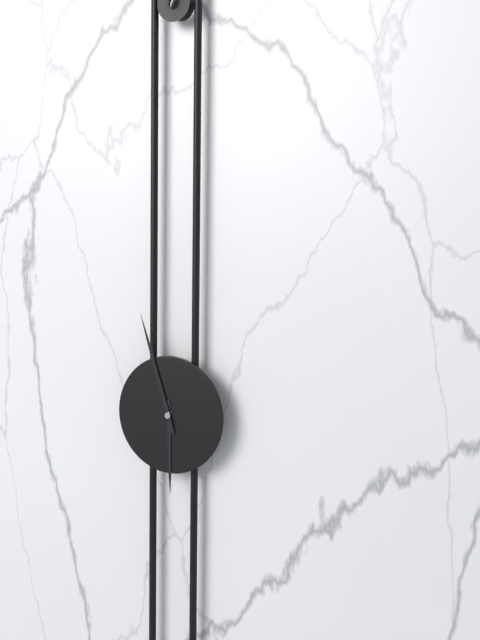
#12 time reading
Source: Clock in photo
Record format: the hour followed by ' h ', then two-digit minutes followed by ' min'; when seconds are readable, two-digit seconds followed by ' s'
5 h 57 min
